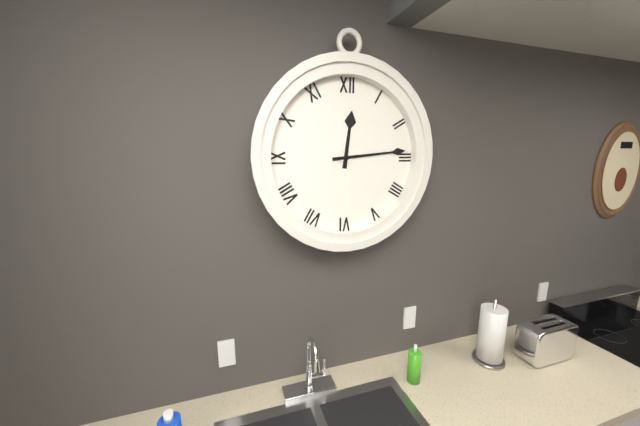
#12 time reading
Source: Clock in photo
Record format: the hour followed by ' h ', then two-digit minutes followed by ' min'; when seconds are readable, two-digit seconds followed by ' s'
12 h 14 min
